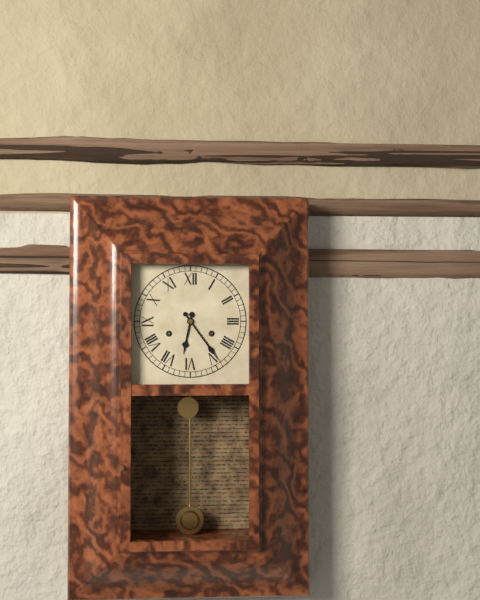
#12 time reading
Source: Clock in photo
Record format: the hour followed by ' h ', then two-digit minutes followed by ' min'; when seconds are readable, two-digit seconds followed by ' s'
6 h 24 min
